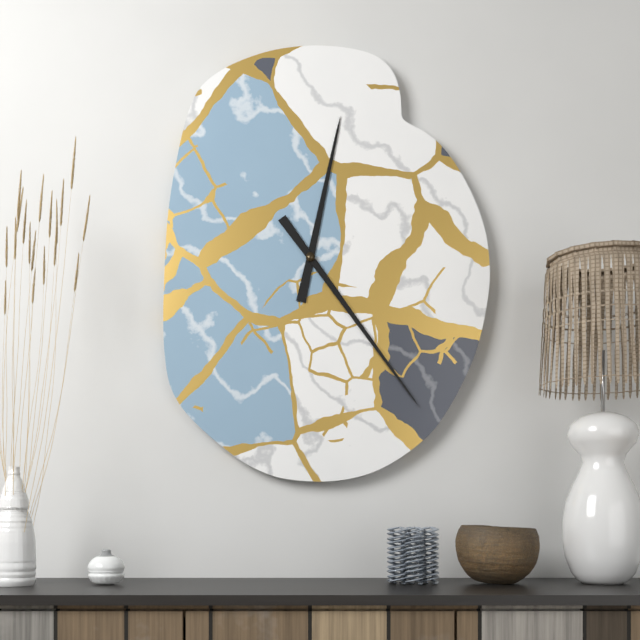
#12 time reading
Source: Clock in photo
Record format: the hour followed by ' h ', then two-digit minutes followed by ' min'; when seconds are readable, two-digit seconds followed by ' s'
12 h 24 min
